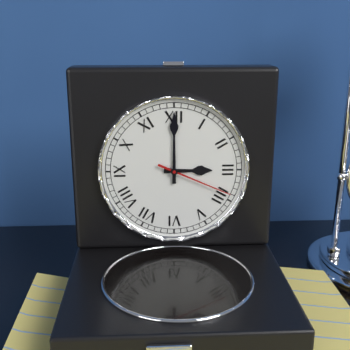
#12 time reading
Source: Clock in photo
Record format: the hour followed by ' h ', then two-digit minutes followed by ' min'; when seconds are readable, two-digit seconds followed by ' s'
3 h 00 min 19 s
